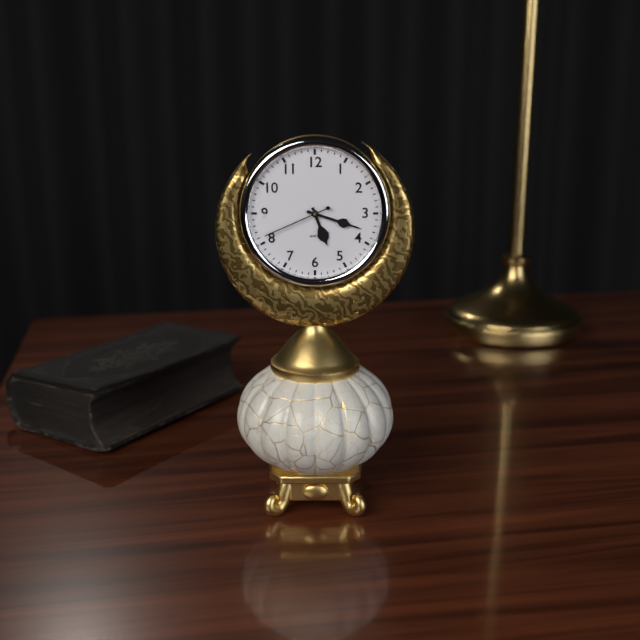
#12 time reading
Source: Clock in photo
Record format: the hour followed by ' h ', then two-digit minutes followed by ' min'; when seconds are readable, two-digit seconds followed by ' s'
5 h 18 min 41 s
